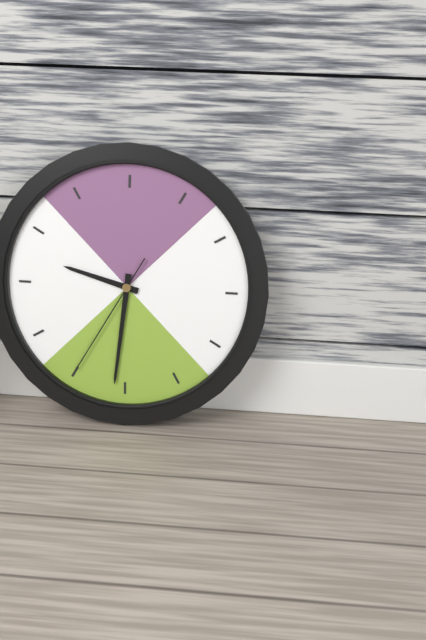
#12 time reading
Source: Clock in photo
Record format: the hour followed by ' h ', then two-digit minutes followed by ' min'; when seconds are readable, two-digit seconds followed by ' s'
9 h 31 min 35 s
